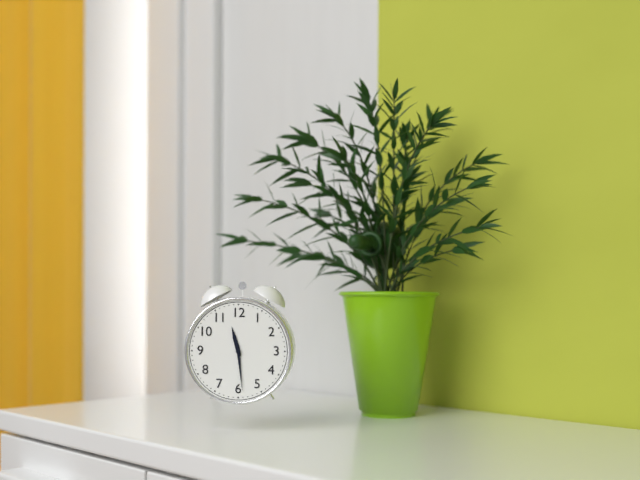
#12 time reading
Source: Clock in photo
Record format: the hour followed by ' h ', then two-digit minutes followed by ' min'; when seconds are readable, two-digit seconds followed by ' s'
11 h 29 min
